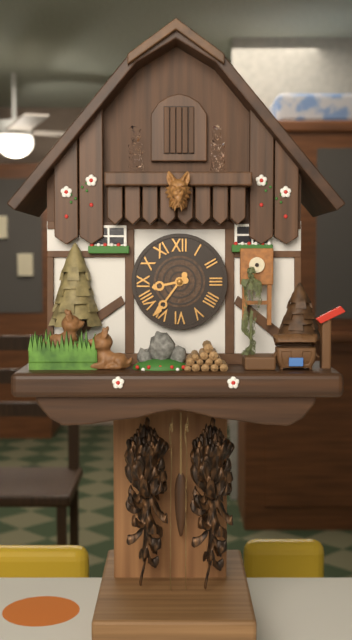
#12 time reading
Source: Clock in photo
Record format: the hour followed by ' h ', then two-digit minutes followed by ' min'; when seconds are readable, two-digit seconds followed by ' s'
8 h 36 min
